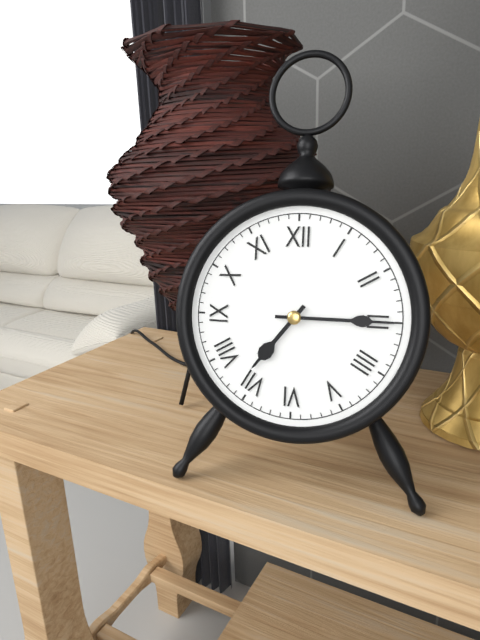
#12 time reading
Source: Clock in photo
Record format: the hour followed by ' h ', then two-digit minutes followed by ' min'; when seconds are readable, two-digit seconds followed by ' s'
7 h 15 min
